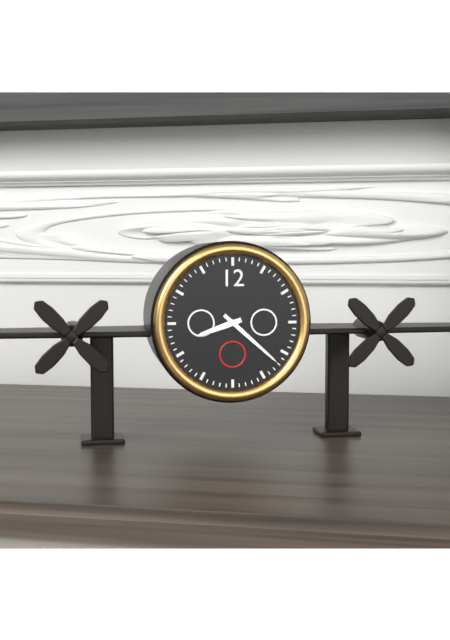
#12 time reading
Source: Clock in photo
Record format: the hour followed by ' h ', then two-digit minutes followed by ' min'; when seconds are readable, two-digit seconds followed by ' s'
8 h 22 min
